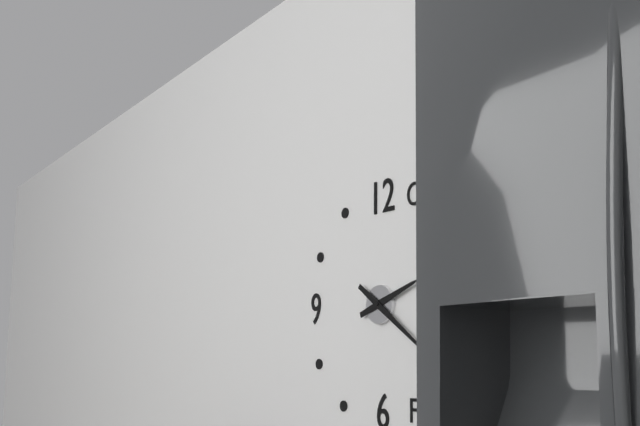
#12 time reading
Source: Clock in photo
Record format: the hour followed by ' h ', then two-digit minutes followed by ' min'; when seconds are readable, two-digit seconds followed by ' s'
2 h 21 min
